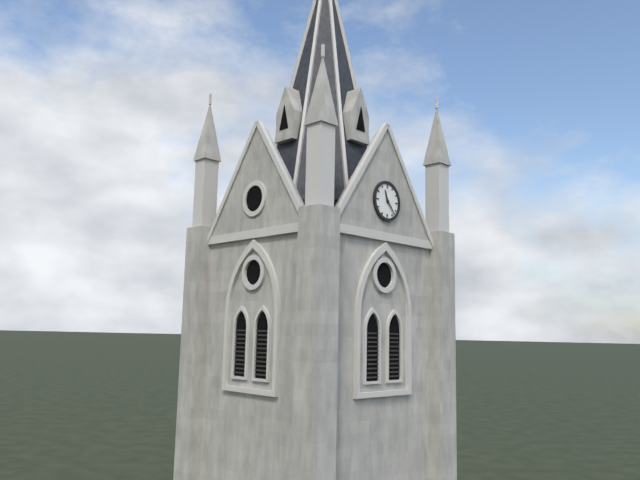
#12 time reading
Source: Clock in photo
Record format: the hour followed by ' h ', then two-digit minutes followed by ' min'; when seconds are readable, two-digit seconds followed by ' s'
11 h 23 min
